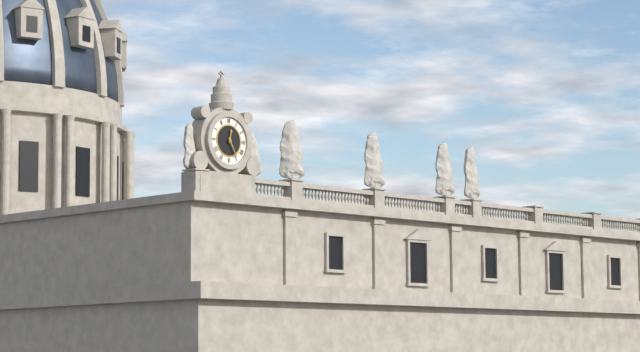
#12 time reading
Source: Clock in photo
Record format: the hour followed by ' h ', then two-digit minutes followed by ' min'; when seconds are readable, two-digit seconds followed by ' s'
12 h 25 min
